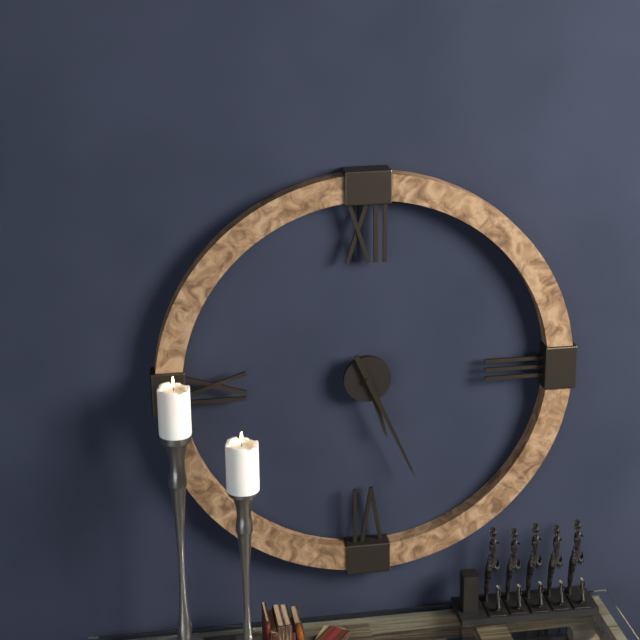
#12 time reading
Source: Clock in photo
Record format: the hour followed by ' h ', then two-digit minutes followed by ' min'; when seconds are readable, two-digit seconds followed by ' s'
5 h 26 min
